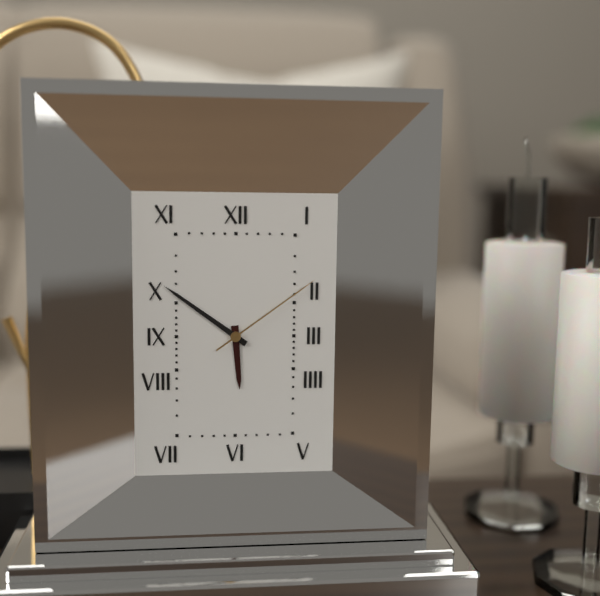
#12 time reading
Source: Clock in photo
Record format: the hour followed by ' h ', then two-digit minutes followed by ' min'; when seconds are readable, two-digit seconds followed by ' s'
5 h 51 min 09 s
